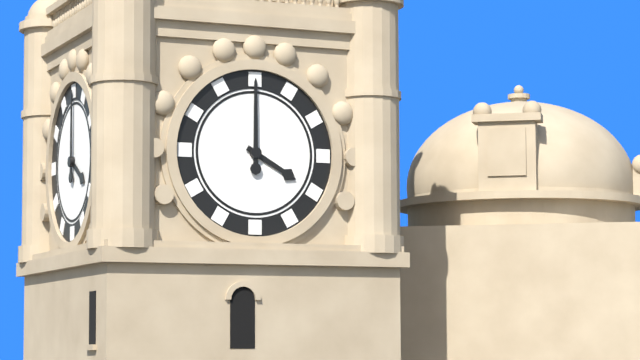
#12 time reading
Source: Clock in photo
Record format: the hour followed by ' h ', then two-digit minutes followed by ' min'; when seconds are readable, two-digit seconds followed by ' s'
4 h 00 min
